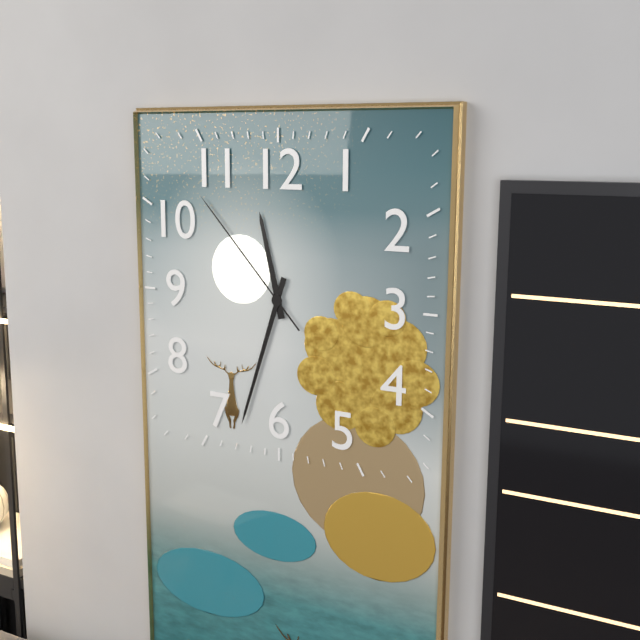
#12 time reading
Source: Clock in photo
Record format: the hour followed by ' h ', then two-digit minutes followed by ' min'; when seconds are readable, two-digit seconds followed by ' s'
11 h 33 min 53 s
